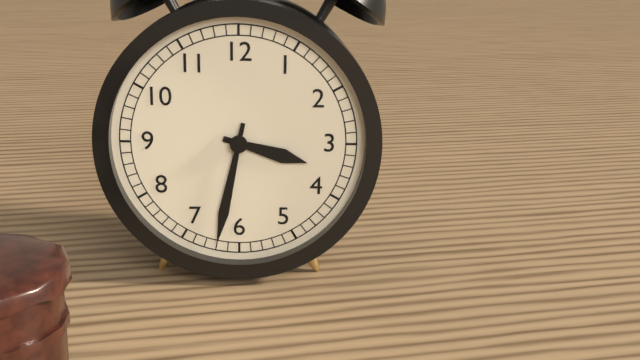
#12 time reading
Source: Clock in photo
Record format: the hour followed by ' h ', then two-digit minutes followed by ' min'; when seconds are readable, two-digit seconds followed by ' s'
3 h 32 min
